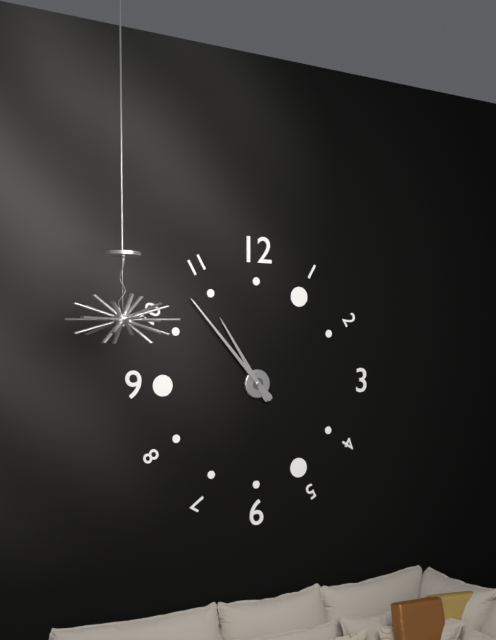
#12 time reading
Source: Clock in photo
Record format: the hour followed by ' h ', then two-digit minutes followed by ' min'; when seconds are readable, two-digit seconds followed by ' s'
10 h 53 min
